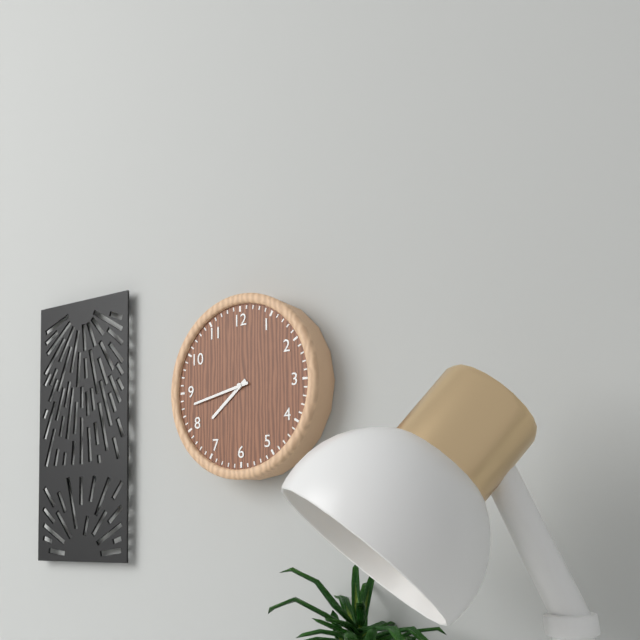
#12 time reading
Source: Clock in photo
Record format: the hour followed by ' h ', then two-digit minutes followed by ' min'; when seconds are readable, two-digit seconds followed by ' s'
7 h 43 min
